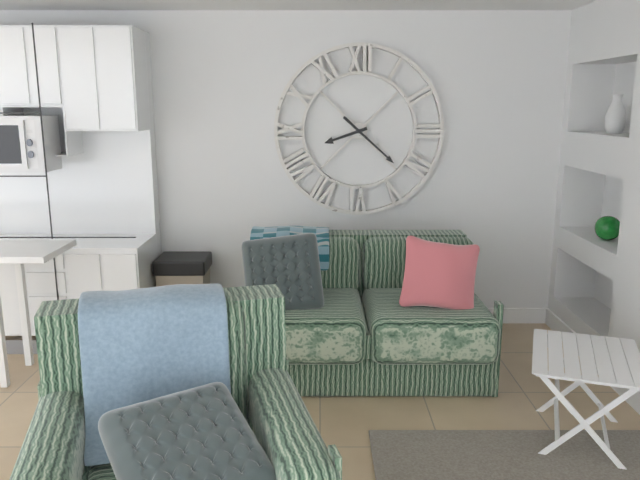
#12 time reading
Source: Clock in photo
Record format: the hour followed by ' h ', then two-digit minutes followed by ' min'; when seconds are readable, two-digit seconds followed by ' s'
8 h 22 min
